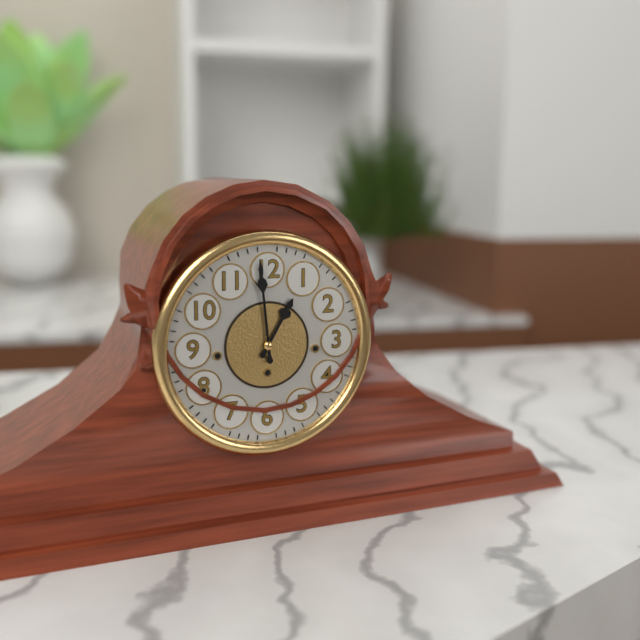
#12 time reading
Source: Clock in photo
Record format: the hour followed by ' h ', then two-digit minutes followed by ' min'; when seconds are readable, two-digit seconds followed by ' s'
12 h 59 min
